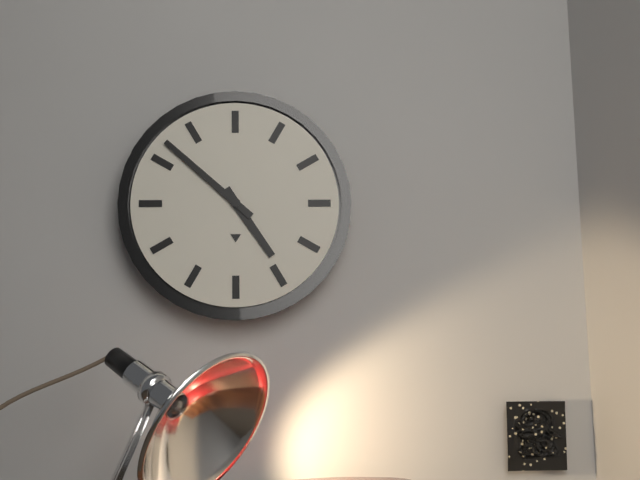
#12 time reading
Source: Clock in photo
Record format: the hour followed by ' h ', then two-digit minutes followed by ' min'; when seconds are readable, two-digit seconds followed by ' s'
4 h 52 min
